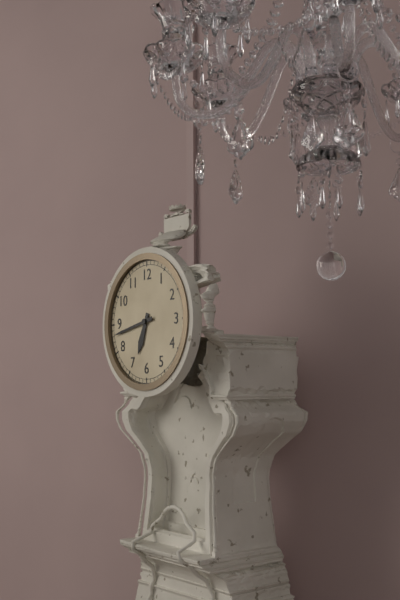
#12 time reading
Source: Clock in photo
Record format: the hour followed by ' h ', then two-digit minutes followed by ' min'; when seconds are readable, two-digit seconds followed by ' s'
6 h 43 min
